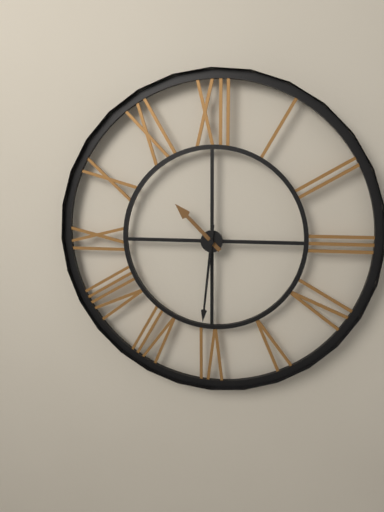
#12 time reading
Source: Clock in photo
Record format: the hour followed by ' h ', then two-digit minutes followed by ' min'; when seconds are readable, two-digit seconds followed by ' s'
10 h 31 min
